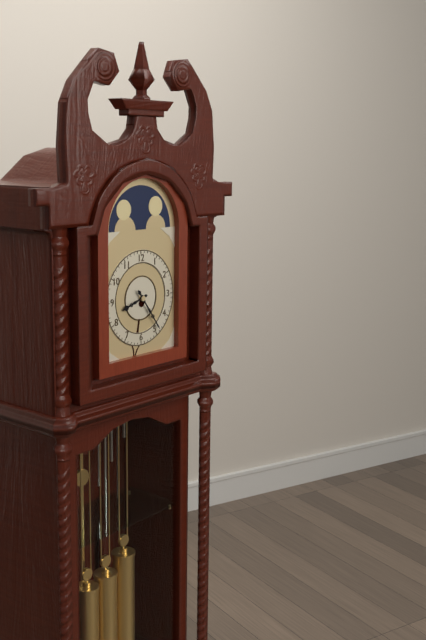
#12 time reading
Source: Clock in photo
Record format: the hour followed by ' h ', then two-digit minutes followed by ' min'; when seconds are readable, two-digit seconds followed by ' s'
8 h 24 min
